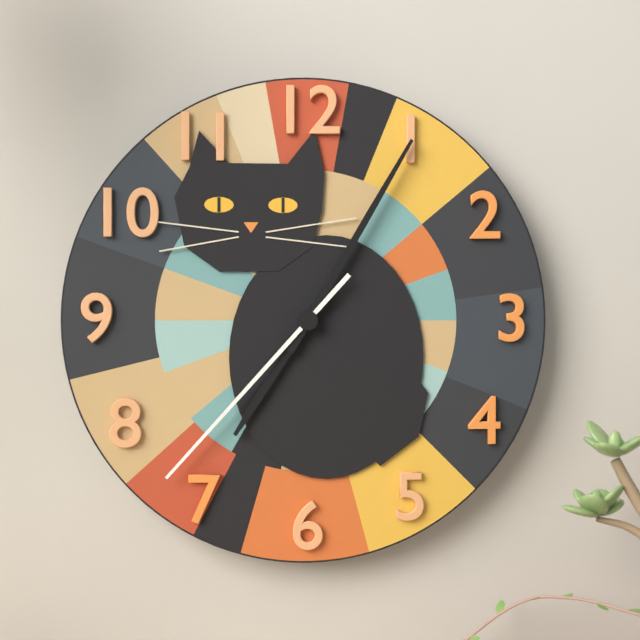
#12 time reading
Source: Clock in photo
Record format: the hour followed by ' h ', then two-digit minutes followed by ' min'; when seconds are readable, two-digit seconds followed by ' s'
7 h 05 min 37 s
